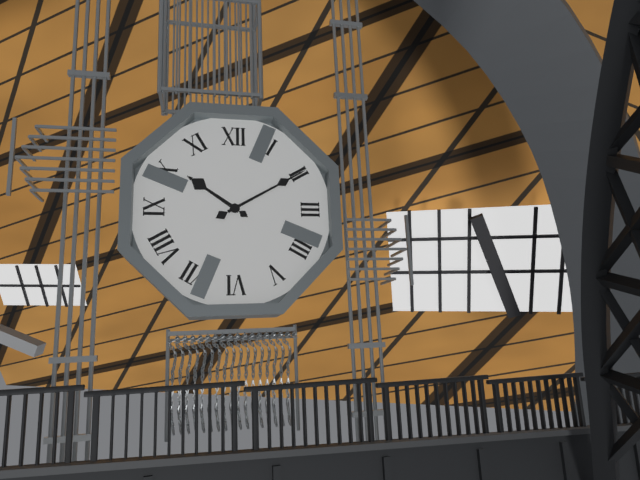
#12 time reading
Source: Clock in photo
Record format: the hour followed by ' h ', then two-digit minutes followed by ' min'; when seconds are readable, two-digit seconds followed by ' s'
10 h 10 min
